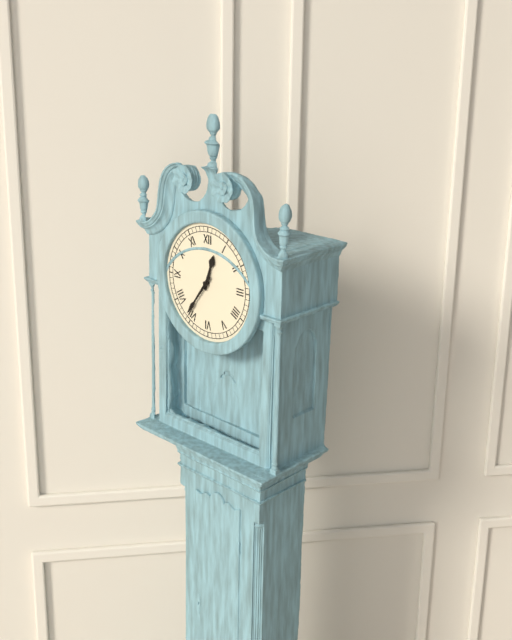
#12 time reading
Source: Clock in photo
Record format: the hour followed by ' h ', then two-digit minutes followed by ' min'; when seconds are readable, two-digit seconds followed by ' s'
12 h 36 min
